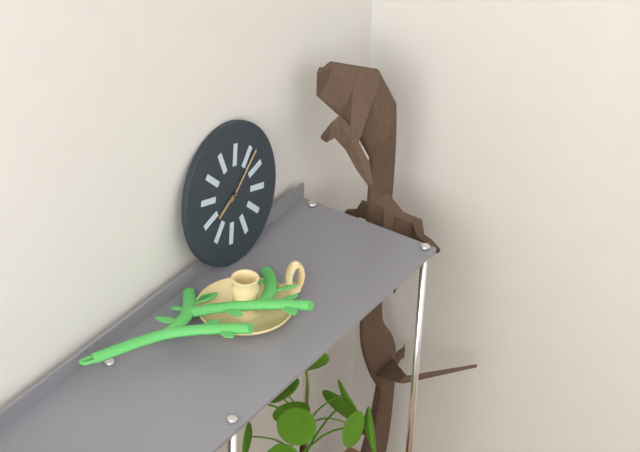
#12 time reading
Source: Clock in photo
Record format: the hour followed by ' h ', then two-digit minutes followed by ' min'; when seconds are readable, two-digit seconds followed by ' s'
8 h 09 min
